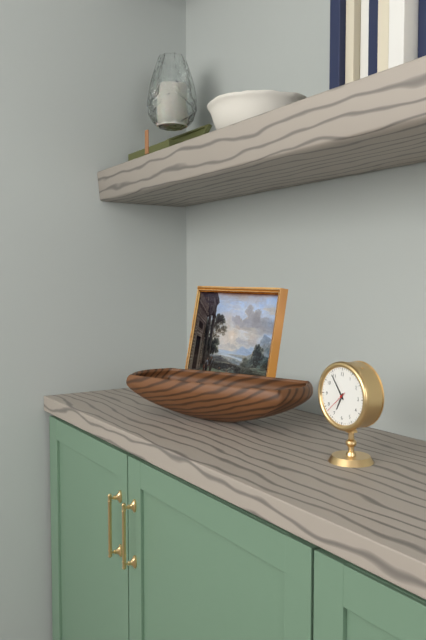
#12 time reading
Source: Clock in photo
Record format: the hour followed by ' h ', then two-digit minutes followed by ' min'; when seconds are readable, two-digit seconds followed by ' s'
6 h 54 min
